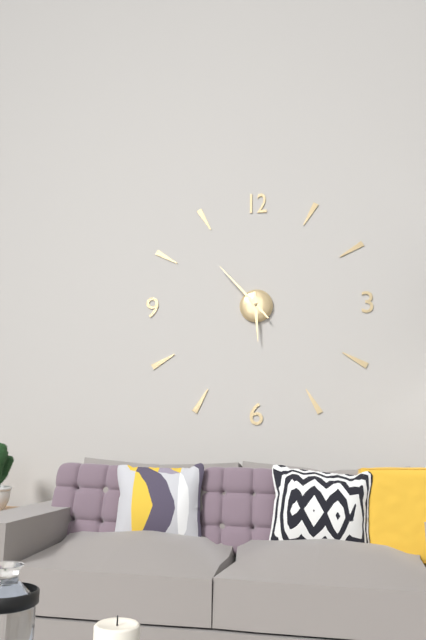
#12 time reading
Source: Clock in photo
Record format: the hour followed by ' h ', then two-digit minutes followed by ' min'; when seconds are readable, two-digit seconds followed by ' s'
5 h 53 min
